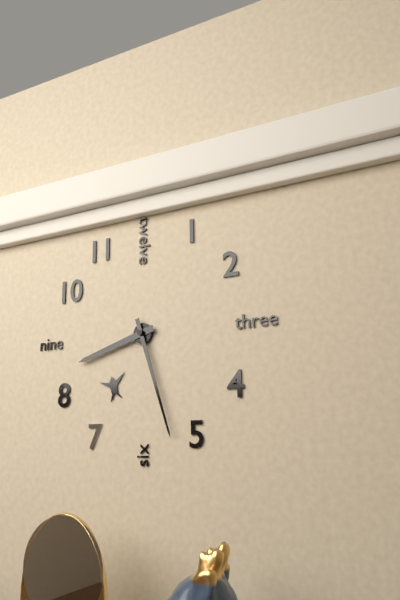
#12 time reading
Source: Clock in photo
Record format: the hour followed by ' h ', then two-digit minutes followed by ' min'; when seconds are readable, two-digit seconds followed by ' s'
8 h 27 min
